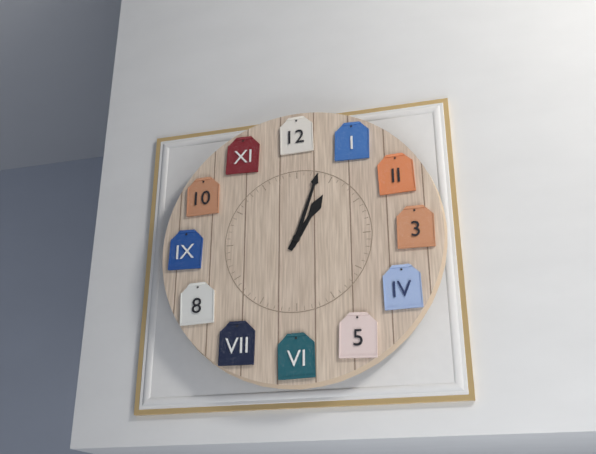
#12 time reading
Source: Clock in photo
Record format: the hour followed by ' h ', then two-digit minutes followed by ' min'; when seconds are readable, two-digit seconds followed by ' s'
1 h 03 min
